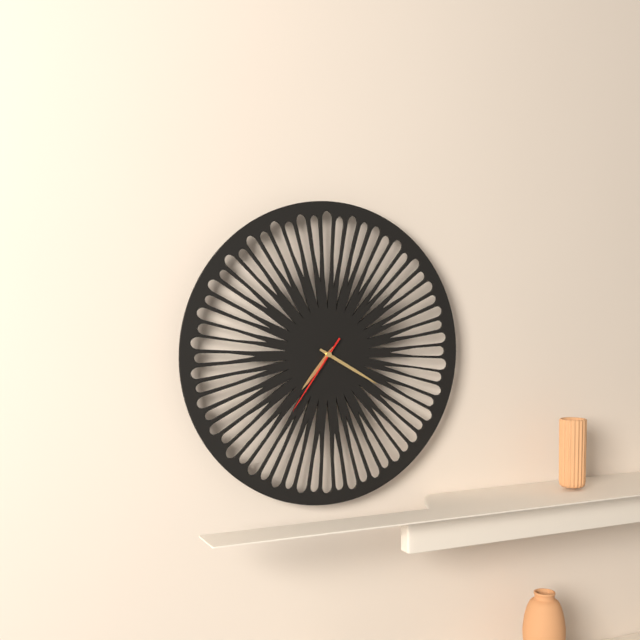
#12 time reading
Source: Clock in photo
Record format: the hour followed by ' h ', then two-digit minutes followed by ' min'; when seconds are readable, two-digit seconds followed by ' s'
7 h 20 min 36 s
